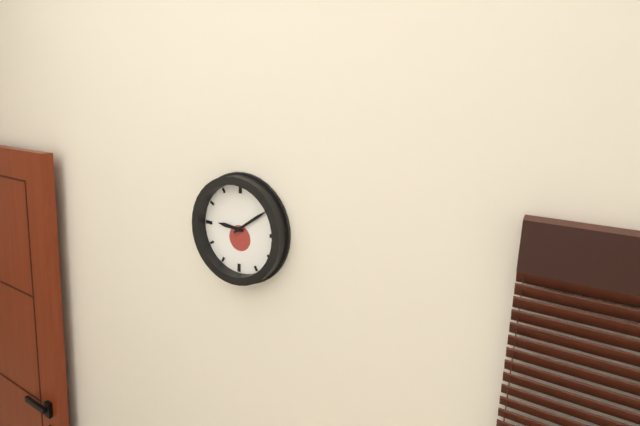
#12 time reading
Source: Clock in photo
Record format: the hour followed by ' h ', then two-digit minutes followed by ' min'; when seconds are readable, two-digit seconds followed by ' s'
9 h 09 min
